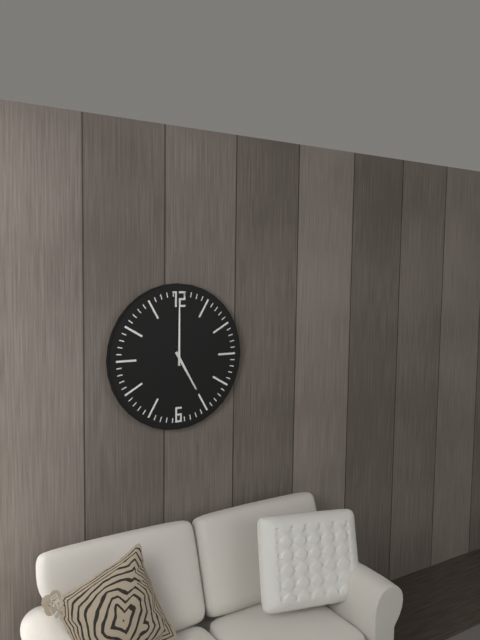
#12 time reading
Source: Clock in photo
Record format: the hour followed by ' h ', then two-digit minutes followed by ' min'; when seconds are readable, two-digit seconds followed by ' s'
5 h 00 min
